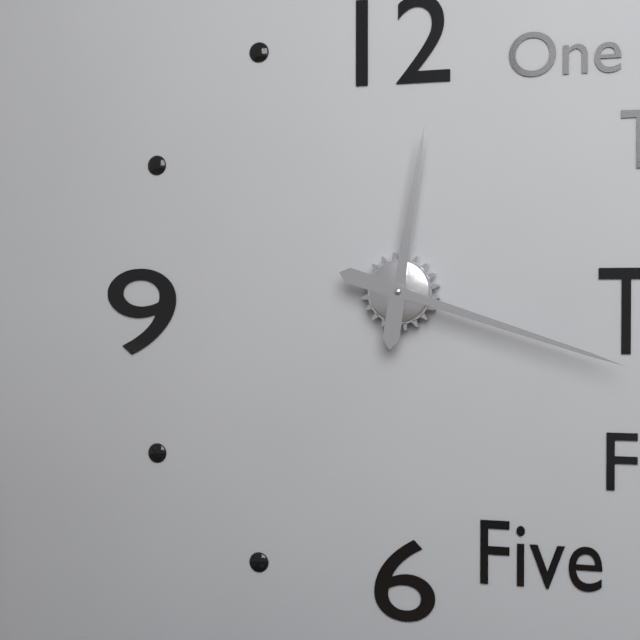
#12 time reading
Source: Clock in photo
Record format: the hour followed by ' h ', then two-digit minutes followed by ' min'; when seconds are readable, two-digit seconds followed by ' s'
12 h 18 min
